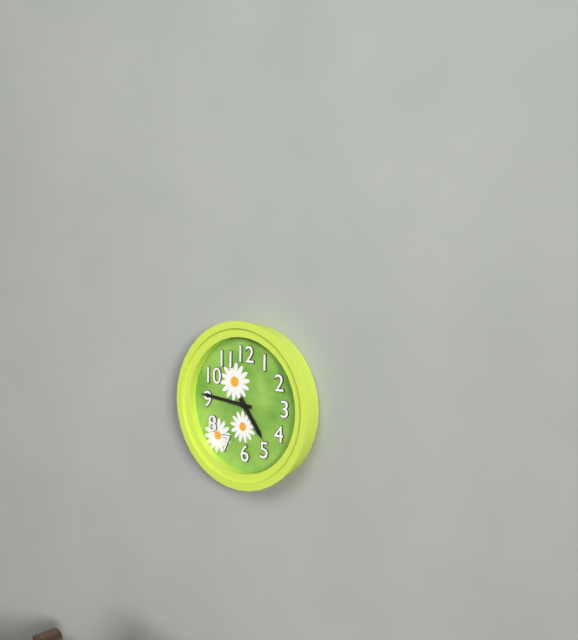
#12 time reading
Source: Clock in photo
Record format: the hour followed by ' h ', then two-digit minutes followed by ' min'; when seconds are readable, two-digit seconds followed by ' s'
4 h 46 min
